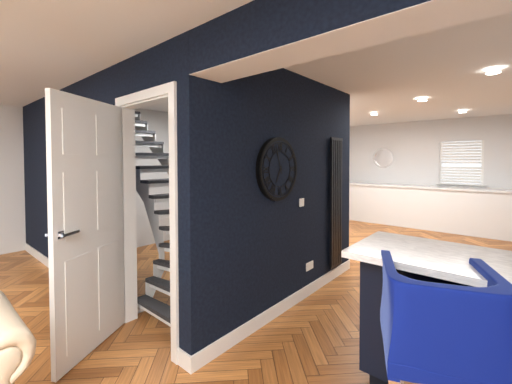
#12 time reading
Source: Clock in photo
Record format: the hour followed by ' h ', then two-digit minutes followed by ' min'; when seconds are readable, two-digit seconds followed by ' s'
6 h 57 min
